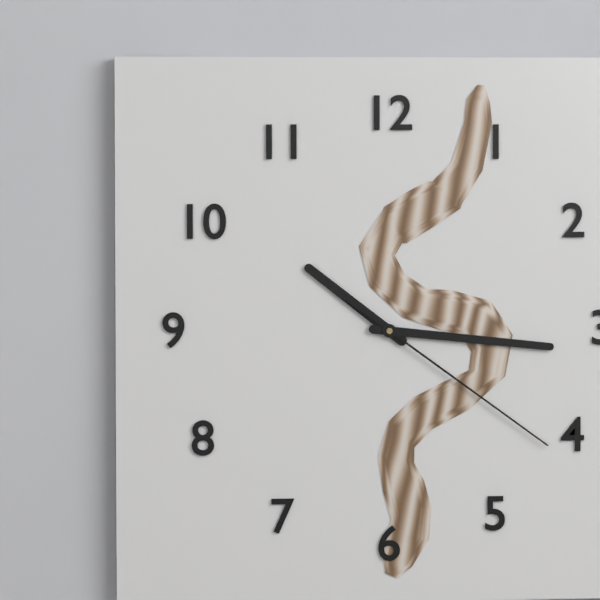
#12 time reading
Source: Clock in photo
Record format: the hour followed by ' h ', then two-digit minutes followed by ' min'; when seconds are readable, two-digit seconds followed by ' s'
10 h 16 min 21 s
